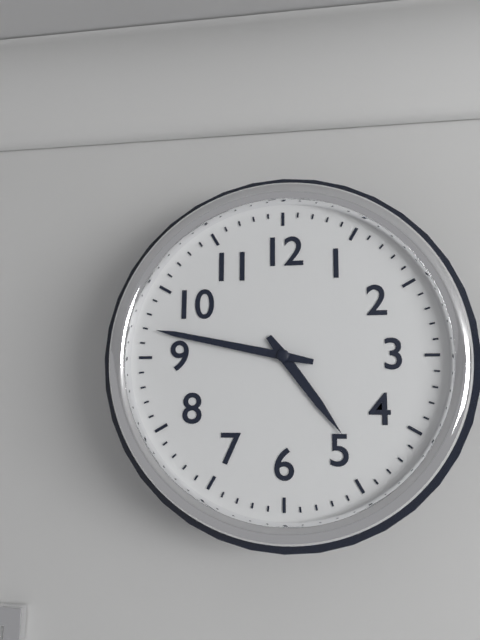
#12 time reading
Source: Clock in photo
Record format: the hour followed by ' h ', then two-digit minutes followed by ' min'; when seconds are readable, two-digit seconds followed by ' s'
4 h 47 min
